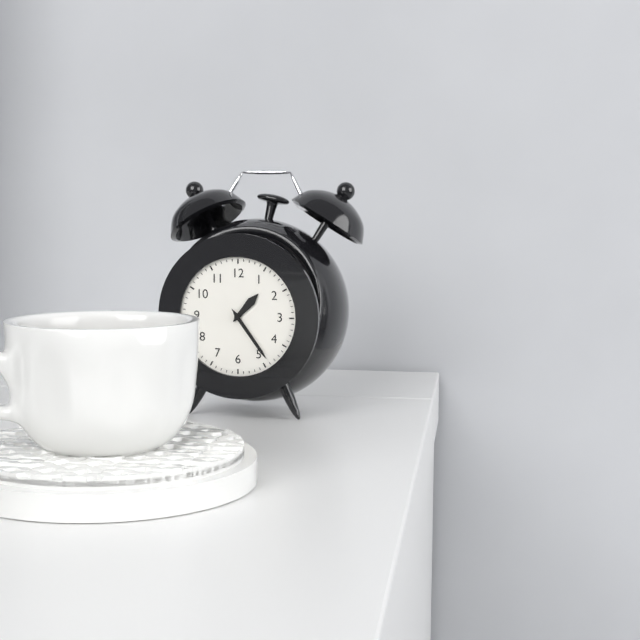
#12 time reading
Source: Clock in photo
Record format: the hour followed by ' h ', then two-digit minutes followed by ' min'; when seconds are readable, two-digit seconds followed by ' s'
1 h 24 min
